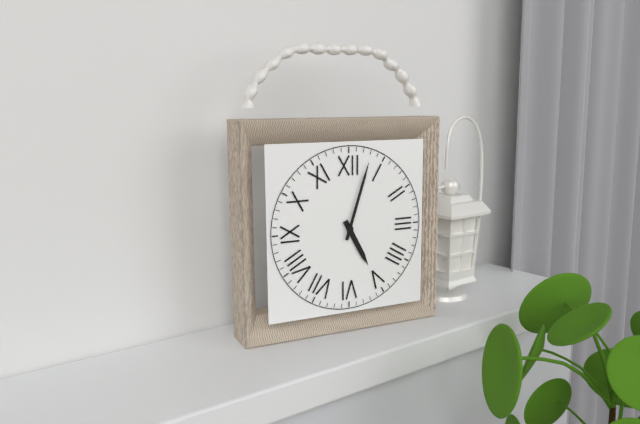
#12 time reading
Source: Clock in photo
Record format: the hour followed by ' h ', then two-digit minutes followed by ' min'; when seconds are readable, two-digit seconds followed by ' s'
5 h 03 min
